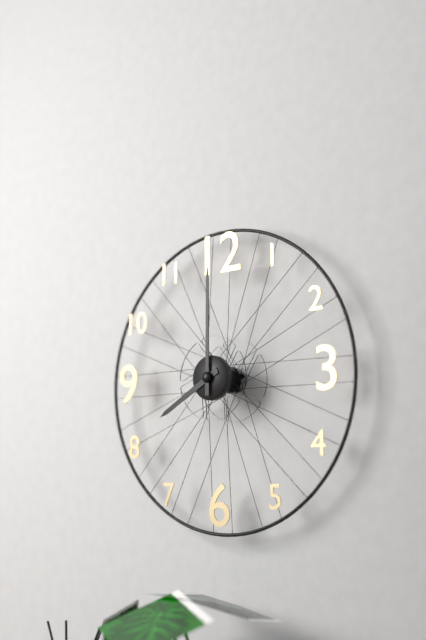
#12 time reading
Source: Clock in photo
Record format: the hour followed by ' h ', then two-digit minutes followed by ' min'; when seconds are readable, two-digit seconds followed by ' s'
8 h 00 min
